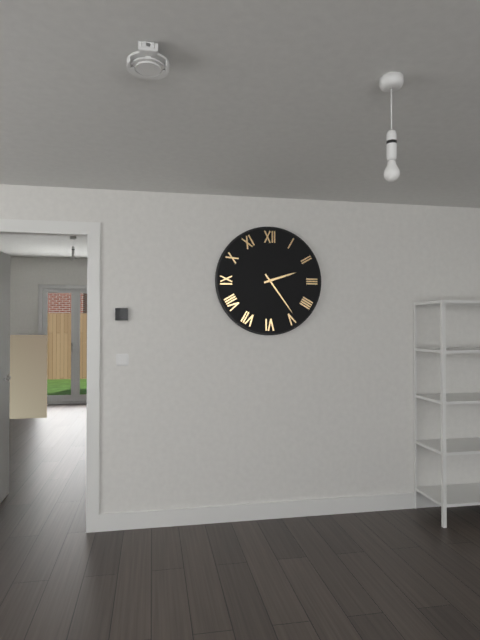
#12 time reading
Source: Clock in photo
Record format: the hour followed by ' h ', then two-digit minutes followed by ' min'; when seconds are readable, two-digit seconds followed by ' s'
2 h 24 min
